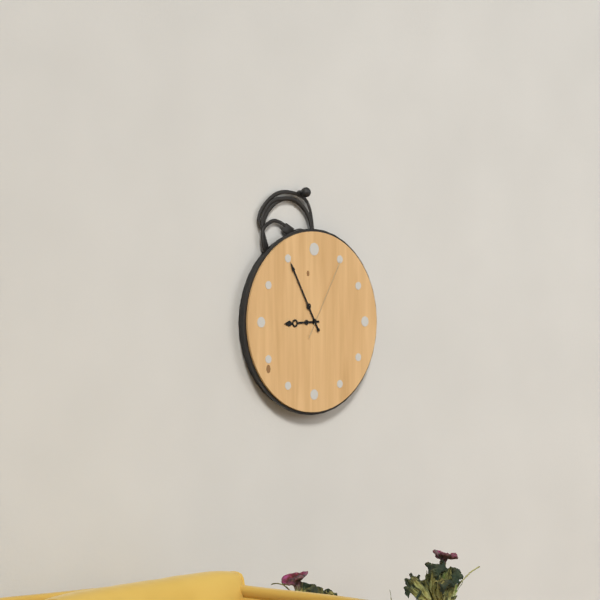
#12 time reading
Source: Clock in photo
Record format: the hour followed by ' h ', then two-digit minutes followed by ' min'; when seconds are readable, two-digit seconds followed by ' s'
8 h 55 min 05 s
